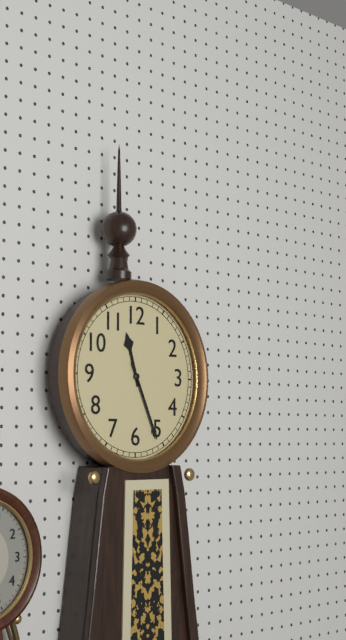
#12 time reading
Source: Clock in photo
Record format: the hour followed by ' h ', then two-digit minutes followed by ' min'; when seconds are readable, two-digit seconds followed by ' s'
11 h 26 min
